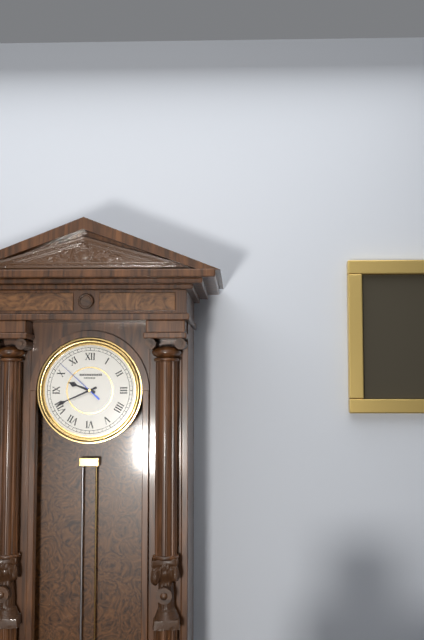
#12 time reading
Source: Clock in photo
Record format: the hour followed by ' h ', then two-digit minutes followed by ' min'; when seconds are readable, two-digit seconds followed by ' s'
9 h 41 min 52 s
